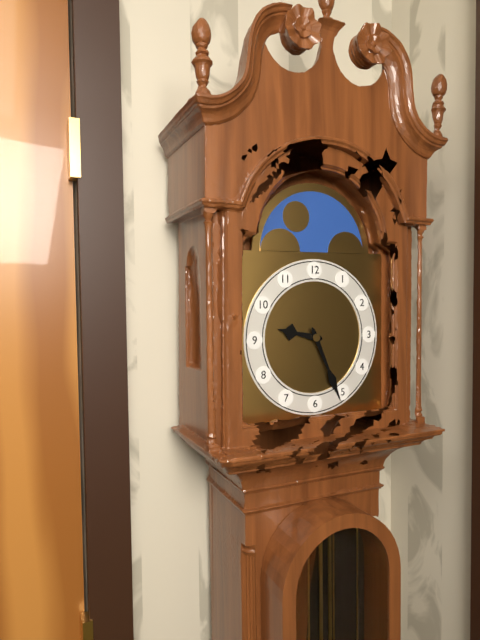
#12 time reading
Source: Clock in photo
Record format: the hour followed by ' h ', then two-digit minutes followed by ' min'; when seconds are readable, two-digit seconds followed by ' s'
9 h 26 min
